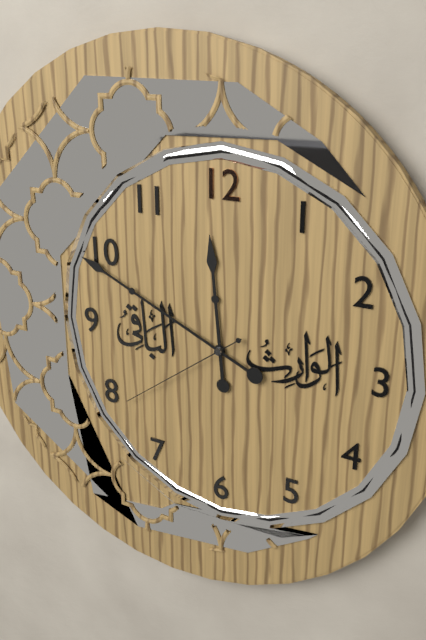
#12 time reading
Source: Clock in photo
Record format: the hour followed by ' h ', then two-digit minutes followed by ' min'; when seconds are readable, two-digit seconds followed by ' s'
11 h 49 min 39 s
